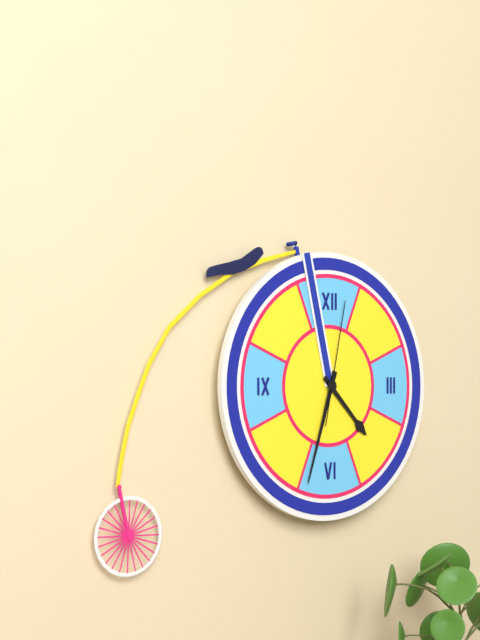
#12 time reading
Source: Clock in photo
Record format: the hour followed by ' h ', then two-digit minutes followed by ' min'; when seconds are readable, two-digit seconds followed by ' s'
4 h 33 min 02 s
